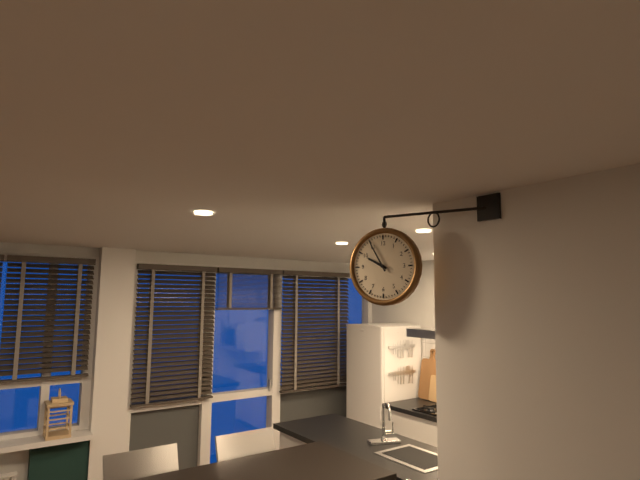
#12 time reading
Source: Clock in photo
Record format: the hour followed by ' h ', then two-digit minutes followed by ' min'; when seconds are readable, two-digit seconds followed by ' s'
9 h 55 min
